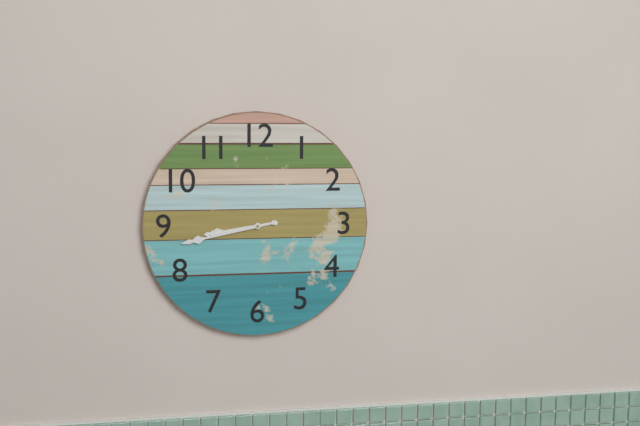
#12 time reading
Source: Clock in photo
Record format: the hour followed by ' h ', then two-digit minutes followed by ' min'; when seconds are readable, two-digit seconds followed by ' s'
8 h 43 min
